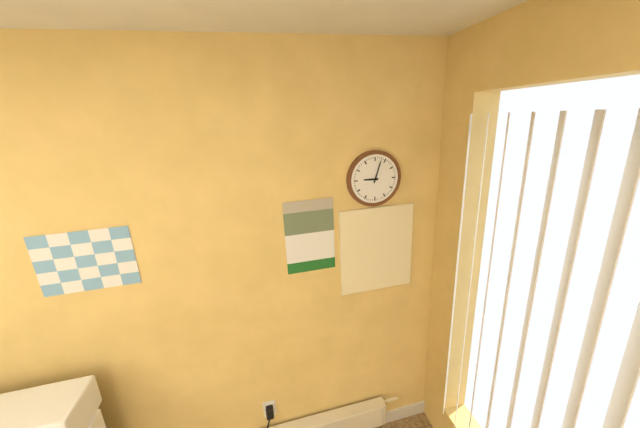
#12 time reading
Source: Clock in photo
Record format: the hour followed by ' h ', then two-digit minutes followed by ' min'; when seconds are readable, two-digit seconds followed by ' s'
9 h 03 min
